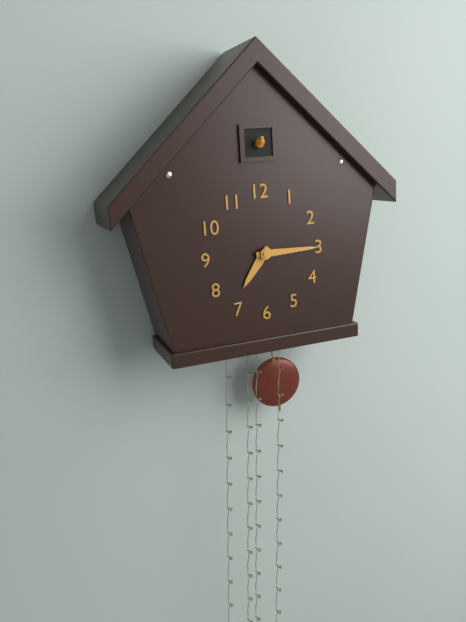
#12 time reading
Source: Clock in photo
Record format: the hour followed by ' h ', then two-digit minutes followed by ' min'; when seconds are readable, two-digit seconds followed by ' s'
7 h 15 min
